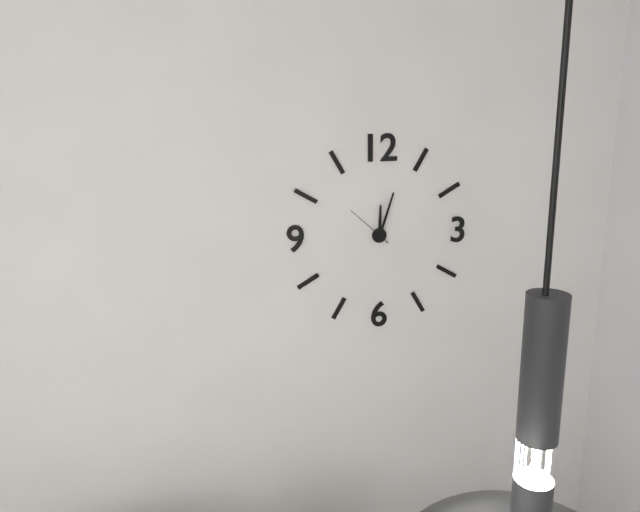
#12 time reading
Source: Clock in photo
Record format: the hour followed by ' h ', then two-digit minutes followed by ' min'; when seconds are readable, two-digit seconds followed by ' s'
12 h 03 min
